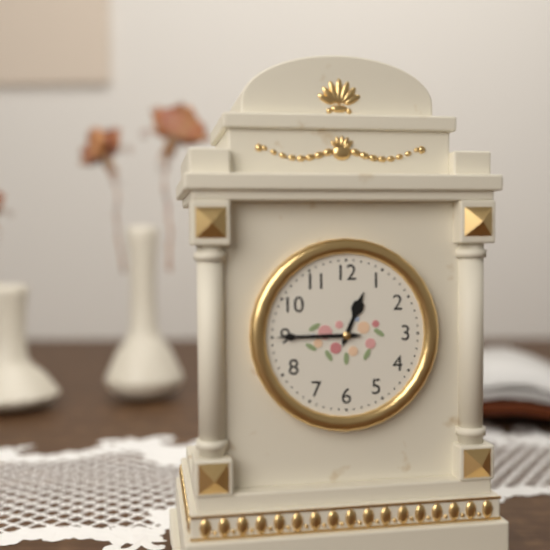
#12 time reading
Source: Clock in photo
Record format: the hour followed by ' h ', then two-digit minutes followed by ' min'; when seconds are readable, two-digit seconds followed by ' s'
12 h 45 min
